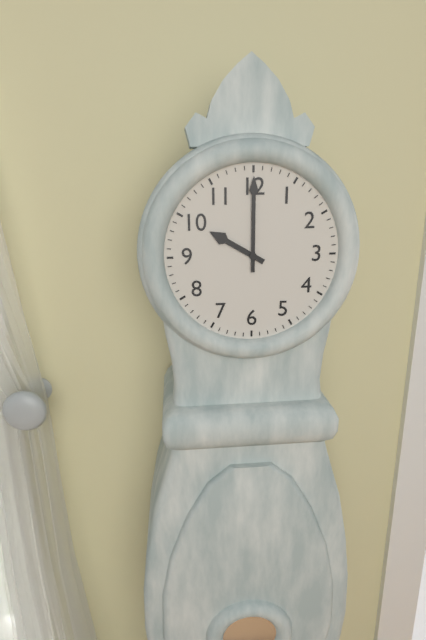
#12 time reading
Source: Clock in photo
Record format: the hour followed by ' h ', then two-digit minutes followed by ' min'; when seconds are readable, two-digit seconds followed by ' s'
10 h 00 min
